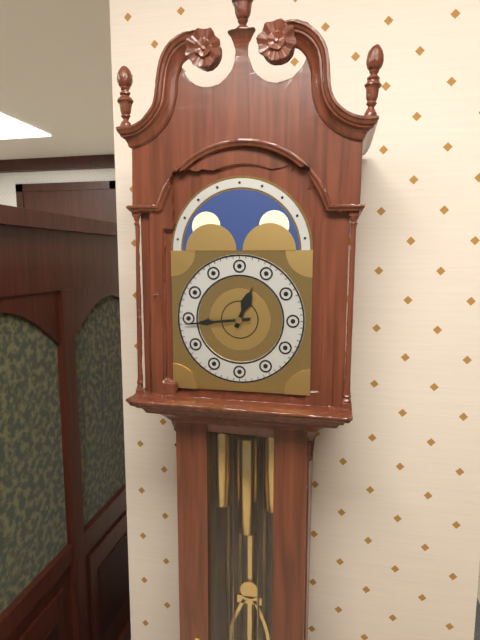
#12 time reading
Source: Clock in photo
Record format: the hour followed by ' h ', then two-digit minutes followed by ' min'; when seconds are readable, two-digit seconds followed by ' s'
12 h 44 min
